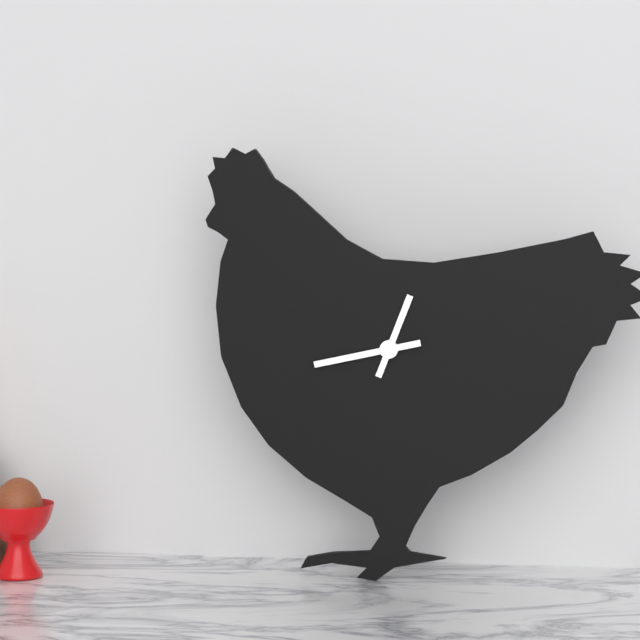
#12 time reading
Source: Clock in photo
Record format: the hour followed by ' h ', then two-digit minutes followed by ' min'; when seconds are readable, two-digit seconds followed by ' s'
12 h 43 min
